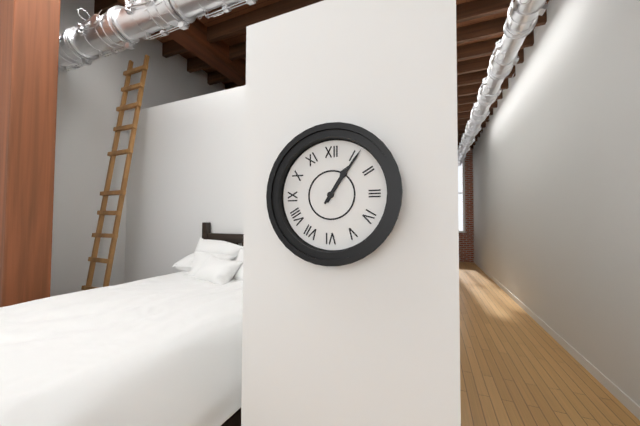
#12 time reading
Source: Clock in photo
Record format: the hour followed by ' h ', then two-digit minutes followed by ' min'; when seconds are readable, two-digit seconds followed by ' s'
1 h 06 min
